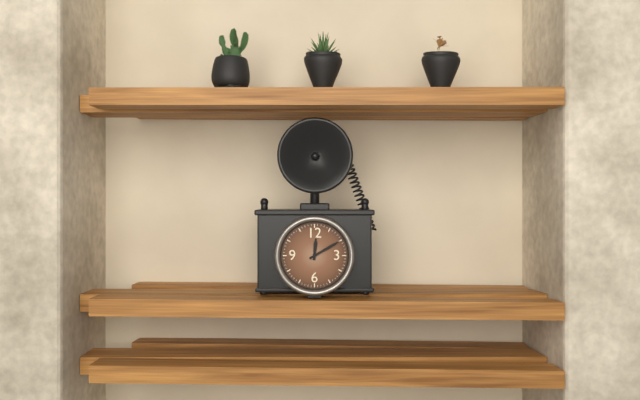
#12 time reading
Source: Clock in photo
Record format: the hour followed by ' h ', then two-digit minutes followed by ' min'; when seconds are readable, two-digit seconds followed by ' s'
12 h 10 min
